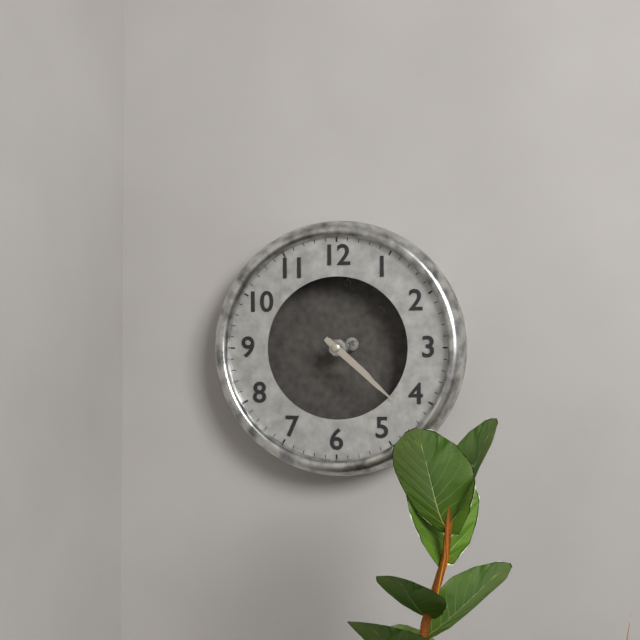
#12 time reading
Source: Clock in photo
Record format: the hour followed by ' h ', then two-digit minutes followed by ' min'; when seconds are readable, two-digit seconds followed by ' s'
4 h 22 min
